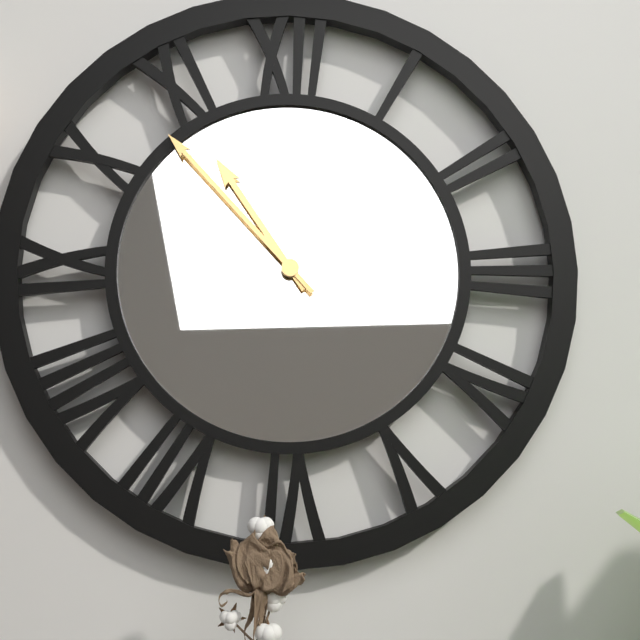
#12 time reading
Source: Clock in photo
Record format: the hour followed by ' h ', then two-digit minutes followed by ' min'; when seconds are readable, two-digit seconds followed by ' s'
10 h 53 min
